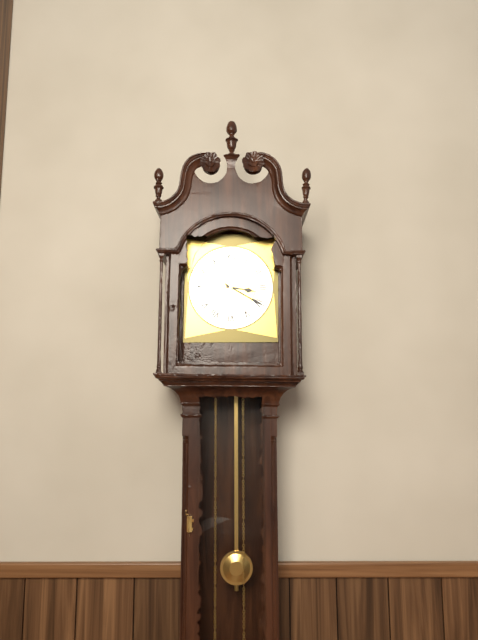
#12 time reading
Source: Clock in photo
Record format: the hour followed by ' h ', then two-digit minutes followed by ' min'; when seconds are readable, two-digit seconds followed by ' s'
3 h 20 min
